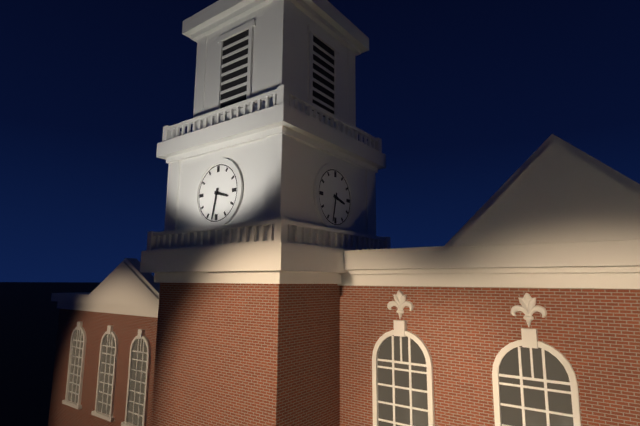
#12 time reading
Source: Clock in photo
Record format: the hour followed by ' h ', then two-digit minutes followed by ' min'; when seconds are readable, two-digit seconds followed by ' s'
3 h 32 min
